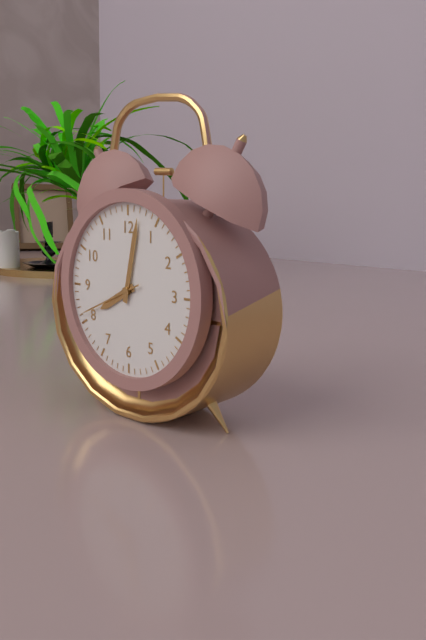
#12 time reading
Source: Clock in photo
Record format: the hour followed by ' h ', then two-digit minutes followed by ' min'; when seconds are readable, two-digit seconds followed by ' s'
8 h 02 min 41 s
